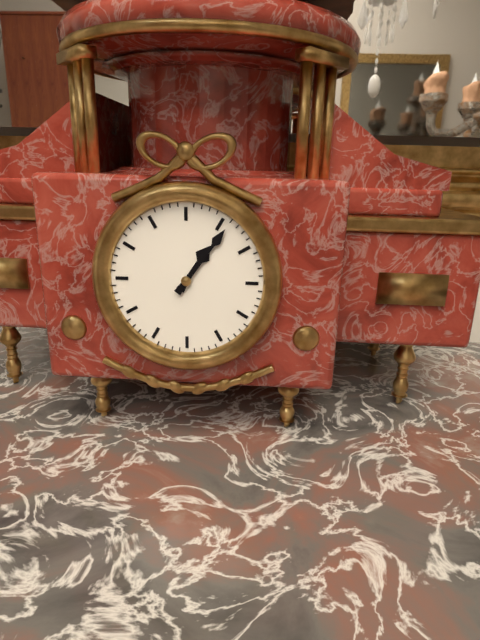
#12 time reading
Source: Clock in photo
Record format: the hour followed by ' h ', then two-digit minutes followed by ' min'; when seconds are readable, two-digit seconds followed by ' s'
1 h 06 min
